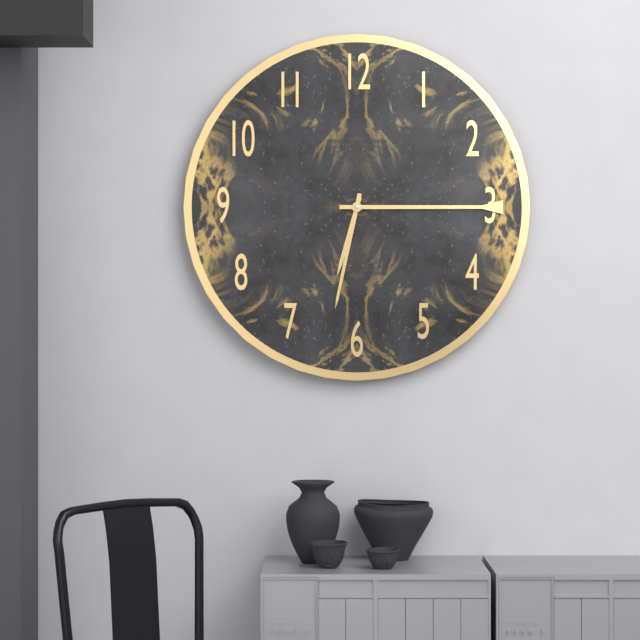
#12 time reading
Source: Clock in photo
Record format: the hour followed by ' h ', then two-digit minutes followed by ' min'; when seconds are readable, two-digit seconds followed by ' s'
6 h 32 min 15 s
